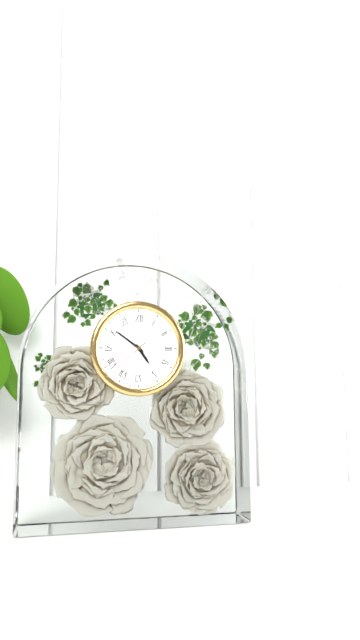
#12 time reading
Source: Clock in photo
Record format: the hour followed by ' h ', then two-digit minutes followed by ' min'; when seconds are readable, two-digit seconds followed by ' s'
4 h 51 min
